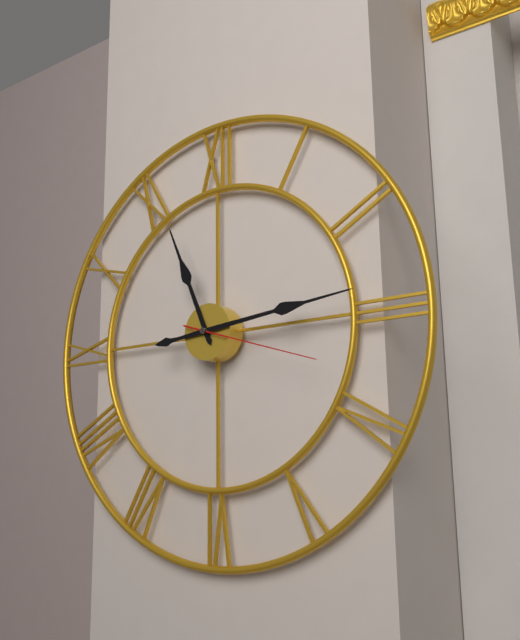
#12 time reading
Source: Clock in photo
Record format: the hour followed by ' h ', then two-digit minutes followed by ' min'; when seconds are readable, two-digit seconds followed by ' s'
11 h 14 min 18 s
